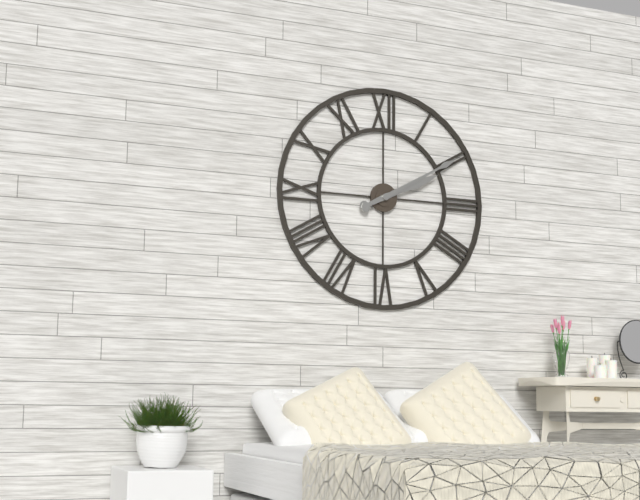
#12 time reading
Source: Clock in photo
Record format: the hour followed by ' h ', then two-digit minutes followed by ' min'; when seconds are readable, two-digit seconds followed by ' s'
2 h 10 min
